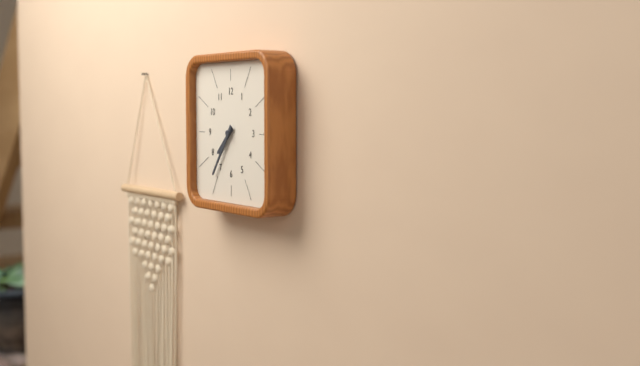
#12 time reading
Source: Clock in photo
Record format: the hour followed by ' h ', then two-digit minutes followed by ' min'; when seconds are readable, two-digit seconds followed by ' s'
7 h 36 min
